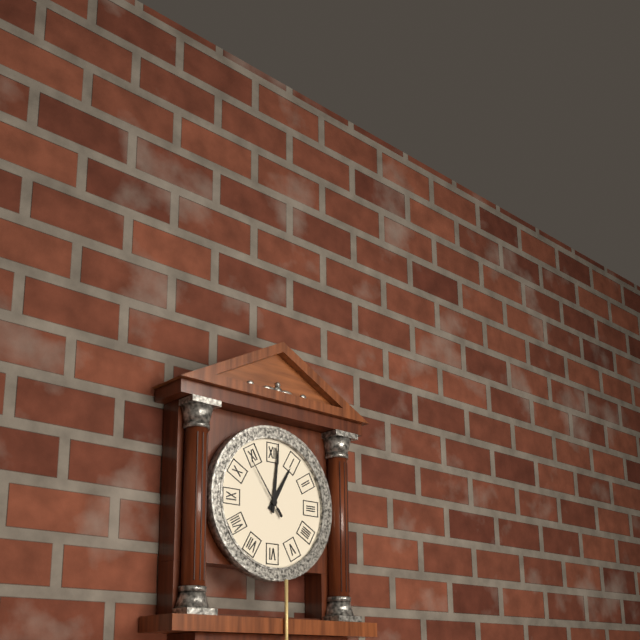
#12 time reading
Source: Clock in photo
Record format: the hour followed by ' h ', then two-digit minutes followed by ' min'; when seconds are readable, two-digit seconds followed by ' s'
1 h 01 min 54 s
